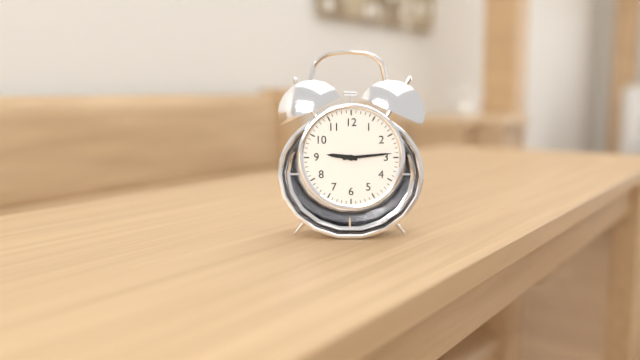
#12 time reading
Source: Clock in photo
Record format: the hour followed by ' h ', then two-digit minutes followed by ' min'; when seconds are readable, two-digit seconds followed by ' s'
9 h 14 min
